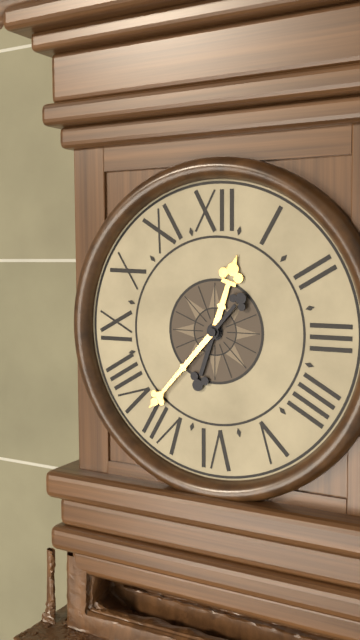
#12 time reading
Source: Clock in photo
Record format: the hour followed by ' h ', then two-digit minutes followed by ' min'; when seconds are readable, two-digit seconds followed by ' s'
12 h 37 min
